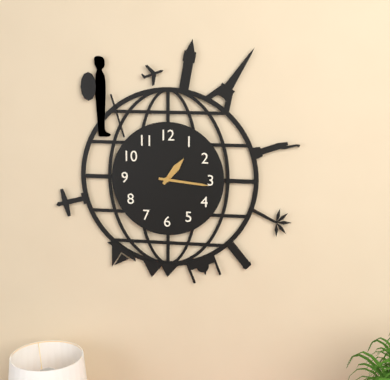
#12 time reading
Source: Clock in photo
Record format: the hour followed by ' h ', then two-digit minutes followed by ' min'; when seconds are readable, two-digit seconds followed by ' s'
1 h 16 min
